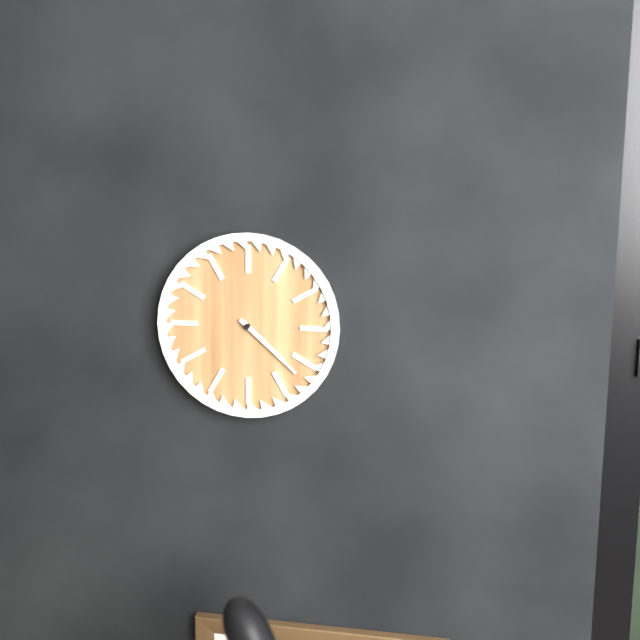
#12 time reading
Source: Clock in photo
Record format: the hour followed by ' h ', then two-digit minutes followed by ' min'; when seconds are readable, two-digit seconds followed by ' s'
4 h 22 min
